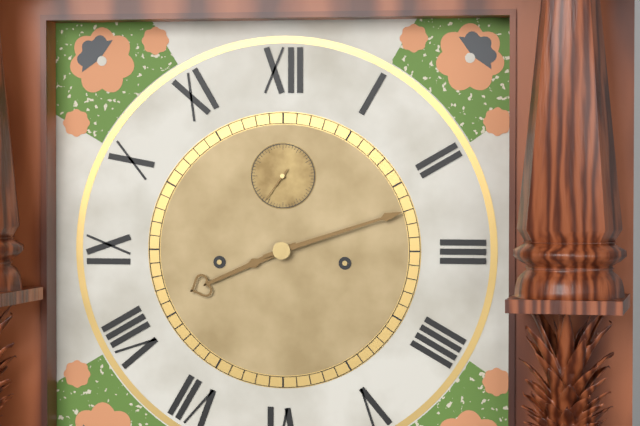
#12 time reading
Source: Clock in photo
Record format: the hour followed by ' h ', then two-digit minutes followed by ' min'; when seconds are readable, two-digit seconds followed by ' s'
8 h 12 min
